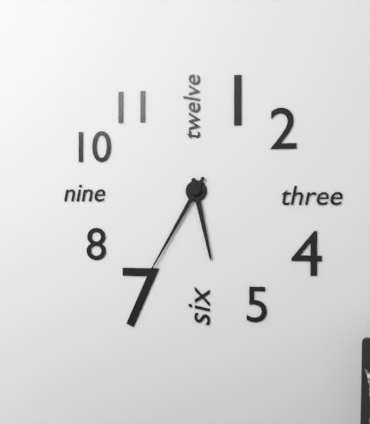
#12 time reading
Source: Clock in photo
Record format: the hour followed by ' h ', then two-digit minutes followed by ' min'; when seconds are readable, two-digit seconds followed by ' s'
5 h 35 min
